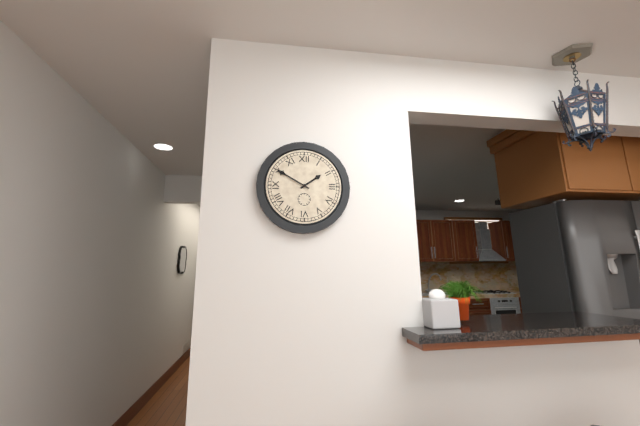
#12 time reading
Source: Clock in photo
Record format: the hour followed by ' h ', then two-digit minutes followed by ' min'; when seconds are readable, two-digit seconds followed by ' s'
1 h 50 min
